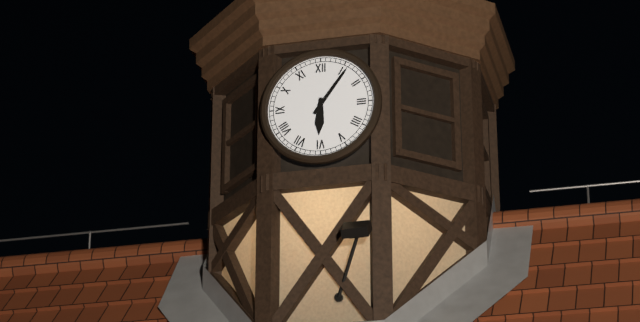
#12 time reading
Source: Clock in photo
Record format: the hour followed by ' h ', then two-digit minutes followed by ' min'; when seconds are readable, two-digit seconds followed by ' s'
6 h 06 min
